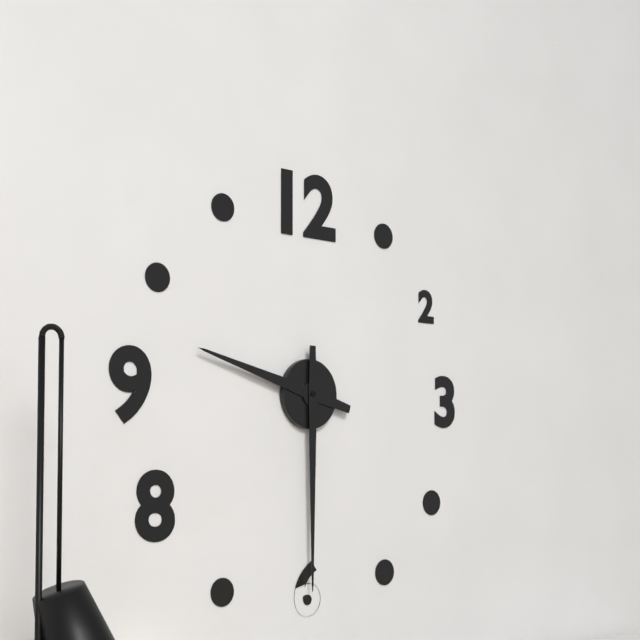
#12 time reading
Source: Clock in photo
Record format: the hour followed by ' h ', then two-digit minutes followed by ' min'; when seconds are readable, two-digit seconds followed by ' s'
9 h 30 min
